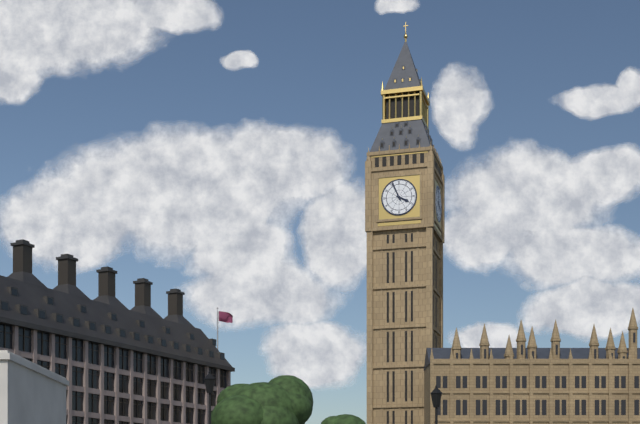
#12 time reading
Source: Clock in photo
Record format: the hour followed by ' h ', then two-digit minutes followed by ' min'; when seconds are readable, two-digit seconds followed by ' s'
3 h 56 min
